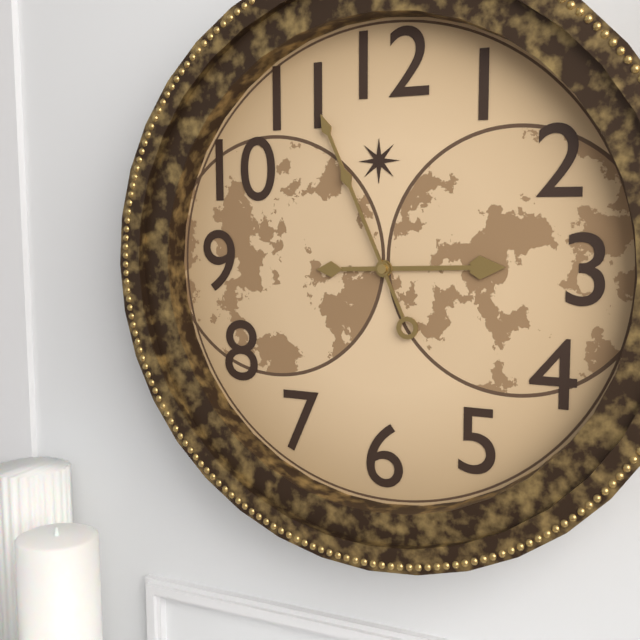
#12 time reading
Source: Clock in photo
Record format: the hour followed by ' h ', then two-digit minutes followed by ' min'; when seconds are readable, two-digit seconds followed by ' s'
2 h 56 min
